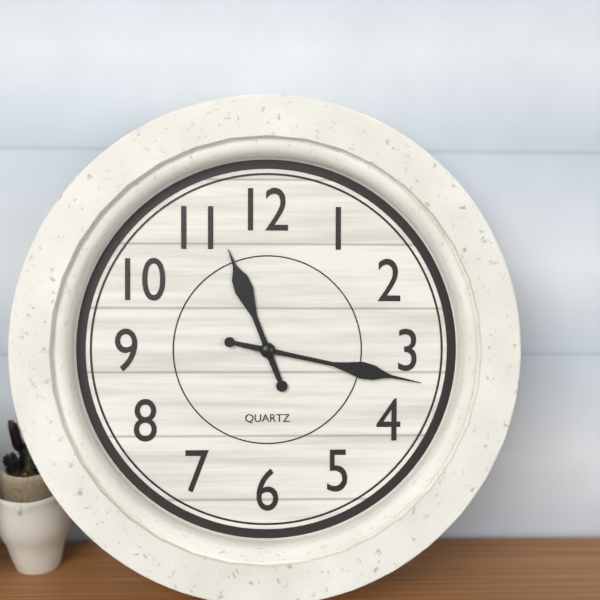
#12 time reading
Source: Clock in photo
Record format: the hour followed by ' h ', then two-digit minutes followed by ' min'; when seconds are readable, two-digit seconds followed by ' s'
11 h 17 min
